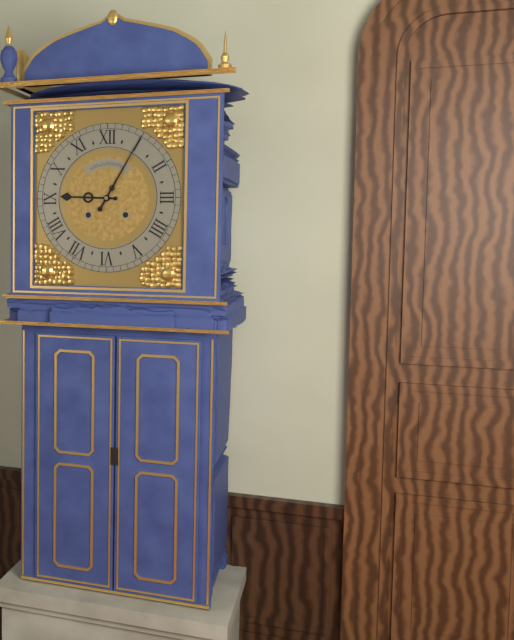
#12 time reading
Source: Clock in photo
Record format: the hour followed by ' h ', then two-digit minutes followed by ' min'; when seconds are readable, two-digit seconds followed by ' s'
9 h 05 min
